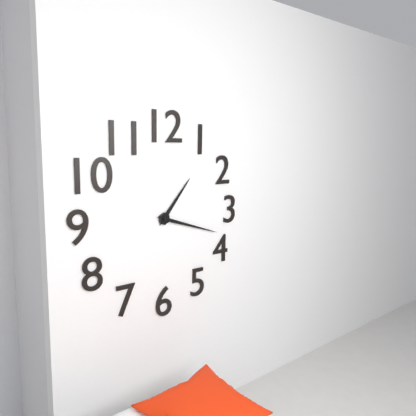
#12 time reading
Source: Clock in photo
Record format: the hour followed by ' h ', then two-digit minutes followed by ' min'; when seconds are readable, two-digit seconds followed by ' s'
1 h 18 min
